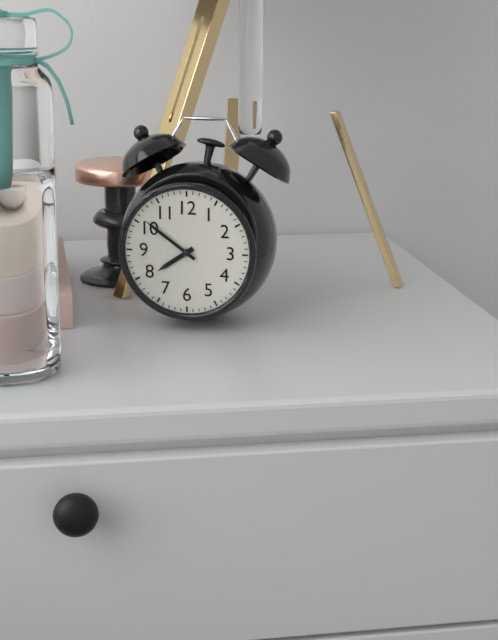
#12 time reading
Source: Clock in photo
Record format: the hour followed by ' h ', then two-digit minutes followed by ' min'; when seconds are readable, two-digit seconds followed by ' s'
7 h 51 min
